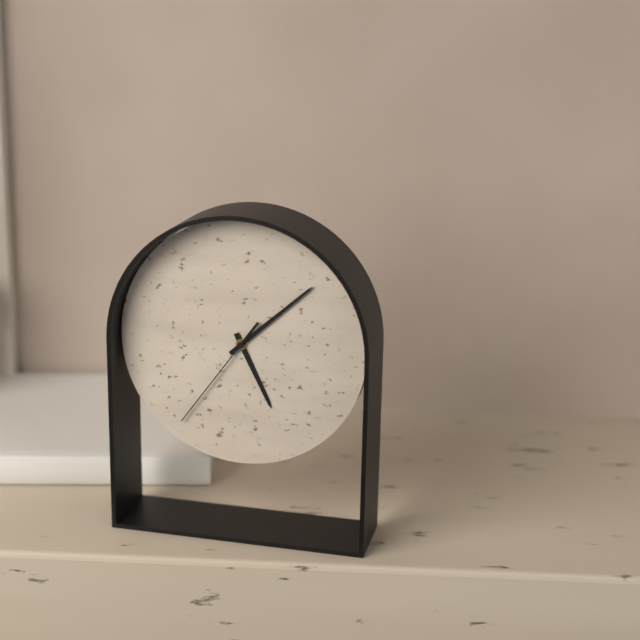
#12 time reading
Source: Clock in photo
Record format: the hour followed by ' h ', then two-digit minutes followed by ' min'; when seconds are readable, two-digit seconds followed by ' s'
5 h 08 min 36 s
